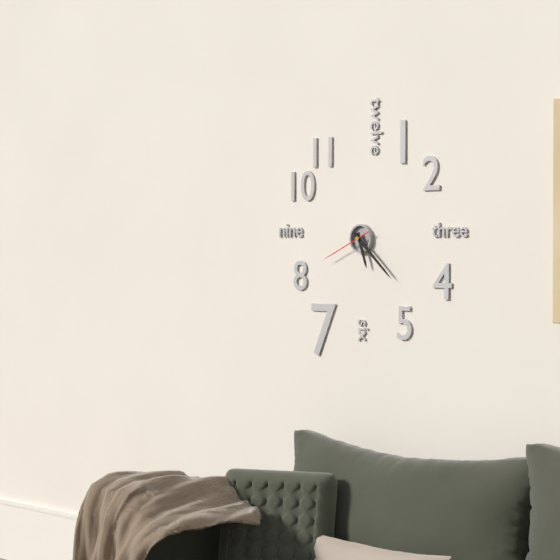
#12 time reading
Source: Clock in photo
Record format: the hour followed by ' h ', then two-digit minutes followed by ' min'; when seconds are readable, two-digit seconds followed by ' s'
5 h 22 min 41 s
